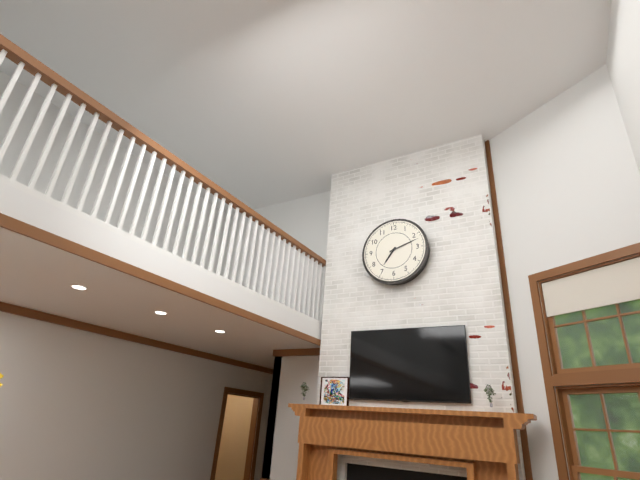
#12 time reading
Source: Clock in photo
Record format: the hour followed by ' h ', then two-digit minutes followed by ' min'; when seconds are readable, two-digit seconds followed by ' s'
7 h 12 min
